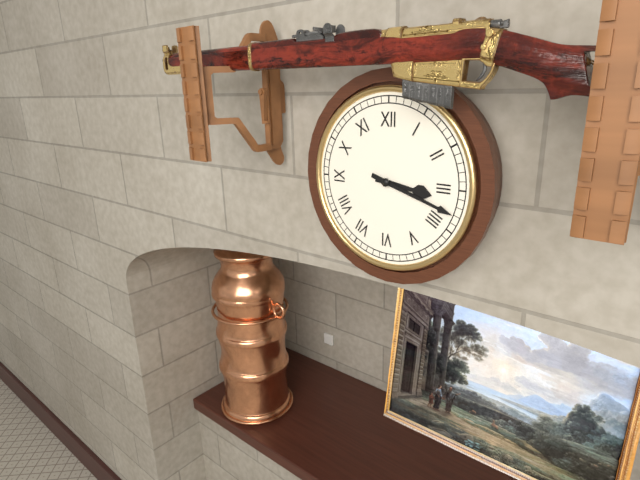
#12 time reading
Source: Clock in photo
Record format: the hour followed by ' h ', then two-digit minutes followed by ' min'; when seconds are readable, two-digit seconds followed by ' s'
3 h 18 min
